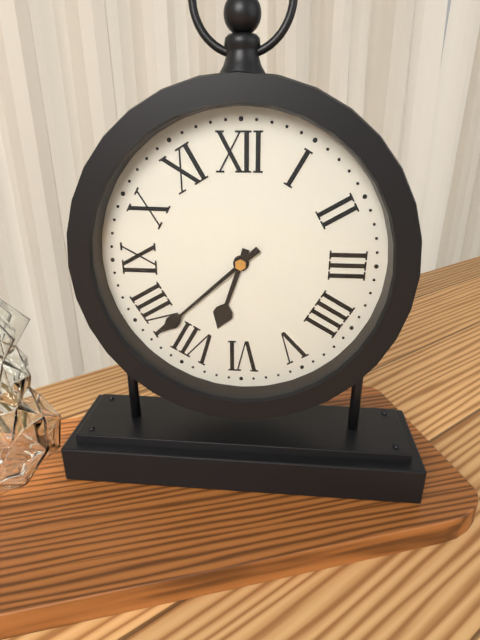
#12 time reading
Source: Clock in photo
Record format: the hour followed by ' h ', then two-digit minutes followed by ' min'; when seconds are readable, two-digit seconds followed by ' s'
6 h 38 min
